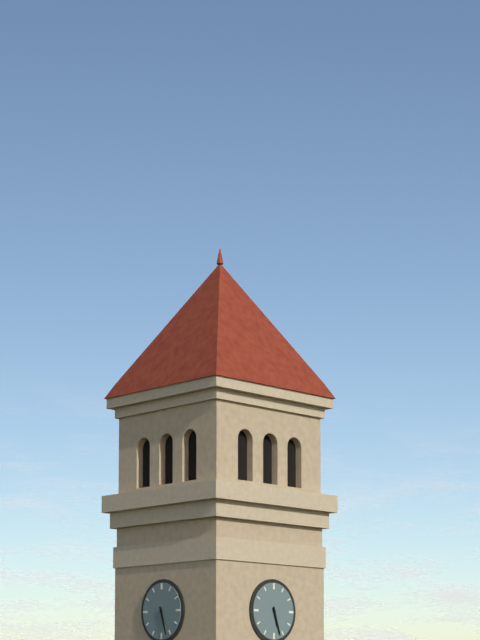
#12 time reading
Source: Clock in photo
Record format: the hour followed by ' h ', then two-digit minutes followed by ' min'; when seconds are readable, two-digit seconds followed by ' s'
5 h 27 min
